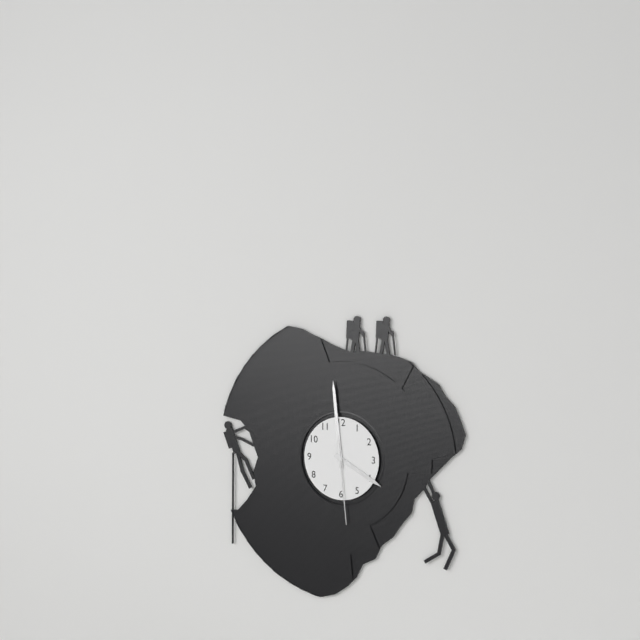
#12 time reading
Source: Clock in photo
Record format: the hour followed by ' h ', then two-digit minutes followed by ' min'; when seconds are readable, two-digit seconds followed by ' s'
3 h 59 min 29 s
